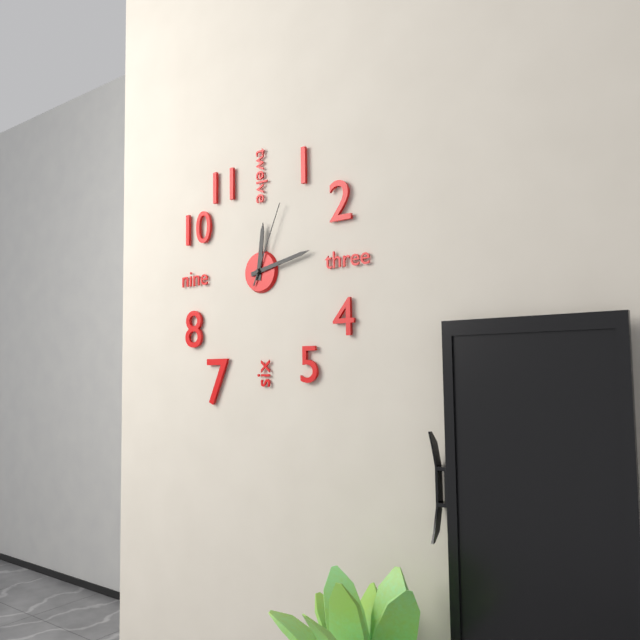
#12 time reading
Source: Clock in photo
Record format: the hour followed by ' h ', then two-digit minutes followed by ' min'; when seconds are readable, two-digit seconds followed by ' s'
12 h 13 min 04 s
